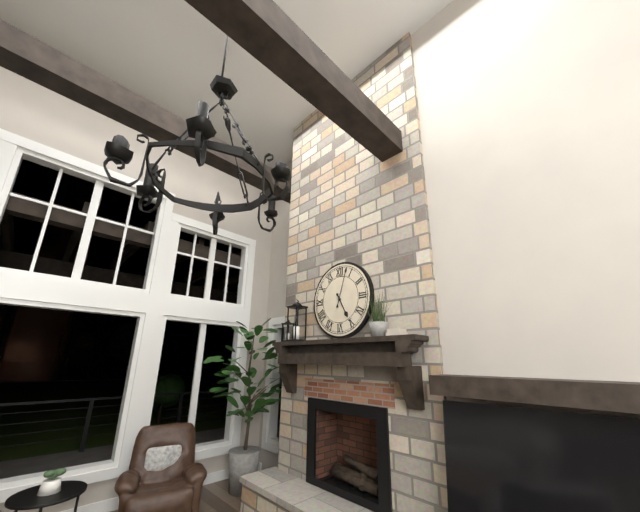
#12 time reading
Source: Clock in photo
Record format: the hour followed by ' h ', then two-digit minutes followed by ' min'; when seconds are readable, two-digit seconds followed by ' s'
5 h 03 min
